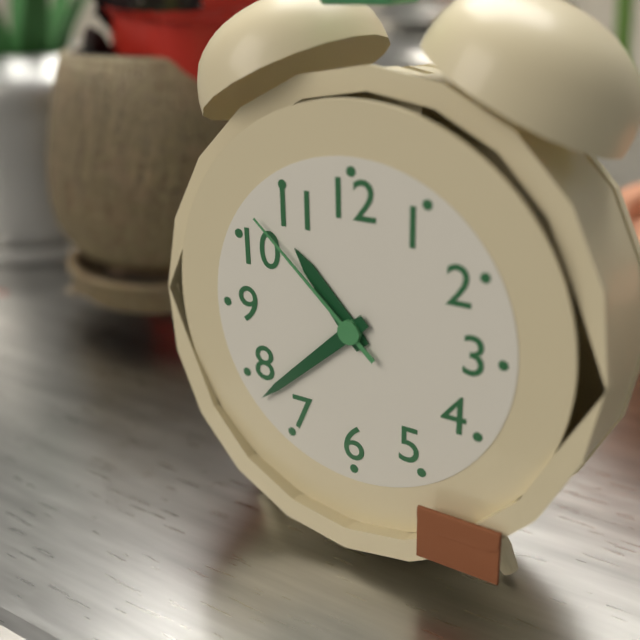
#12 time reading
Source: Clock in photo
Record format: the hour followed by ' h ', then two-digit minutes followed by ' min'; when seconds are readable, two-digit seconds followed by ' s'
10 h 38 min 52 s
